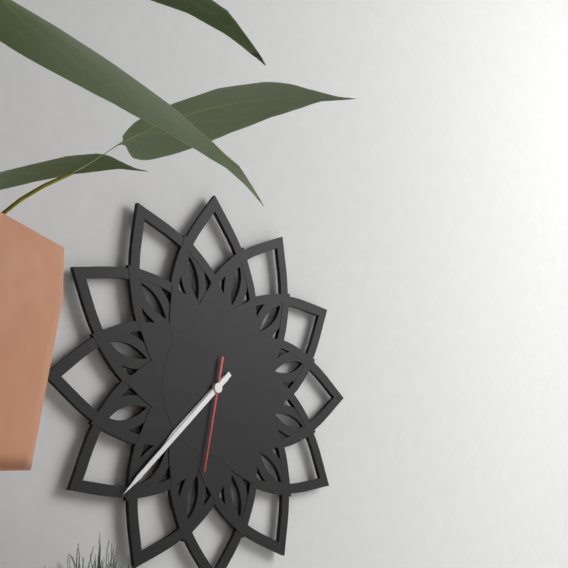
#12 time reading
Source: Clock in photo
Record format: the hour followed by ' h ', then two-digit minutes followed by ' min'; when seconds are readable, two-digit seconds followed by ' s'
7 h 38 min 32 s
